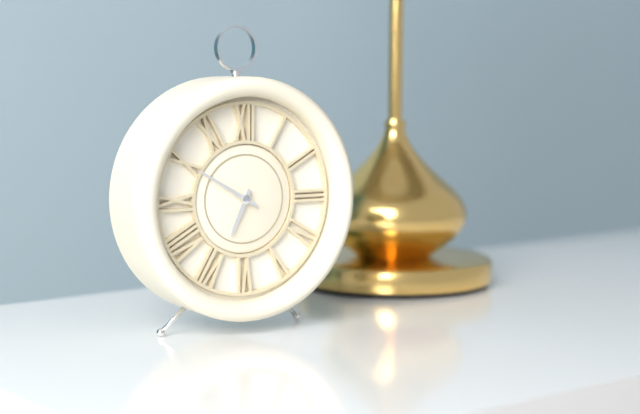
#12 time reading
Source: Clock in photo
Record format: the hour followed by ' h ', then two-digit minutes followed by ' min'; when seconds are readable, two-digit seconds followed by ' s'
6 h 50 min
